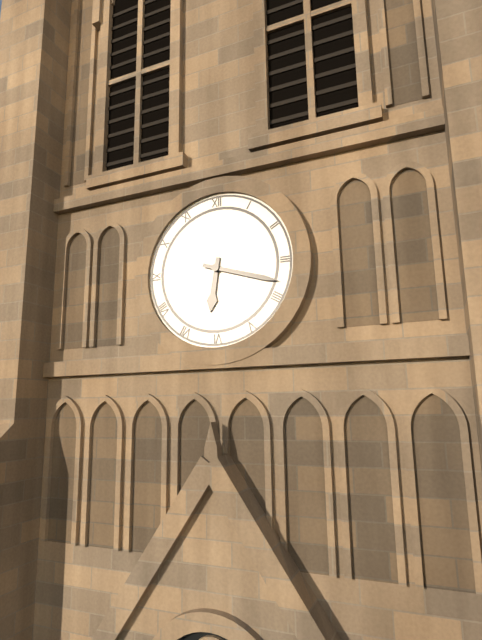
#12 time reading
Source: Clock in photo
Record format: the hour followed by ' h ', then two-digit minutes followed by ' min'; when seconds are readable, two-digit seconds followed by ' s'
6 h 18 min
